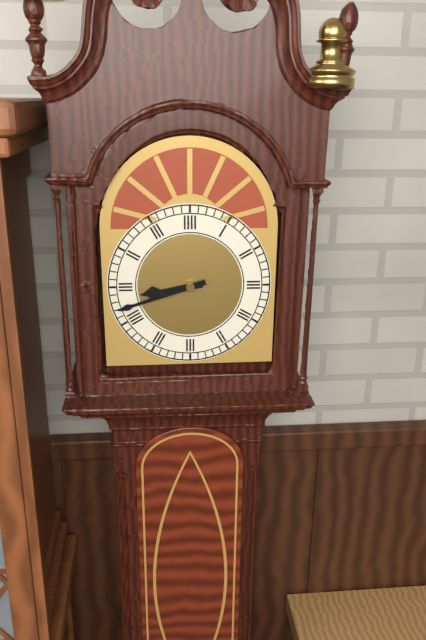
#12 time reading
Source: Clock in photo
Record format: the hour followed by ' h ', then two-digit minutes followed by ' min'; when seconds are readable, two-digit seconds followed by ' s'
8 h 42 min
